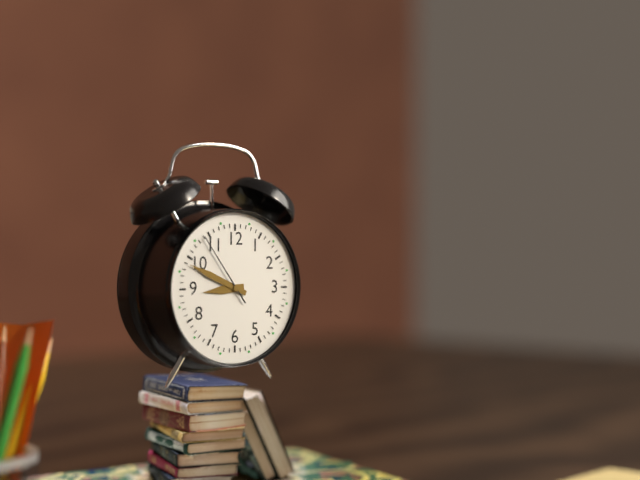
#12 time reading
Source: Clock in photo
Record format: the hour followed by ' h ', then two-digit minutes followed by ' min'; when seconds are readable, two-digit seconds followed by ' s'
8 h 49 min 54 s
